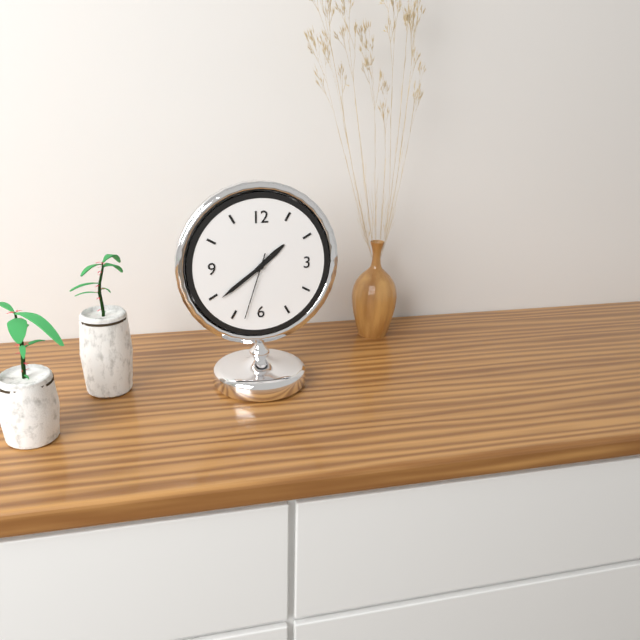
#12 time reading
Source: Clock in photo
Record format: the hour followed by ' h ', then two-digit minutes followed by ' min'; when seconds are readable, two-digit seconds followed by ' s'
1 h 39 min 33 s
